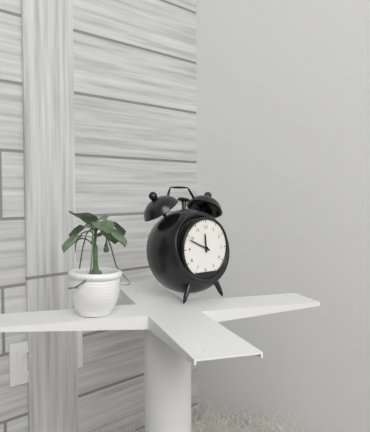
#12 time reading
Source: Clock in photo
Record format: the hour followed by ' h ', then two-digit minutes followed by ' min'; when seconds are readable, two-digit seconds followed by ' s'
11 h 49 min
